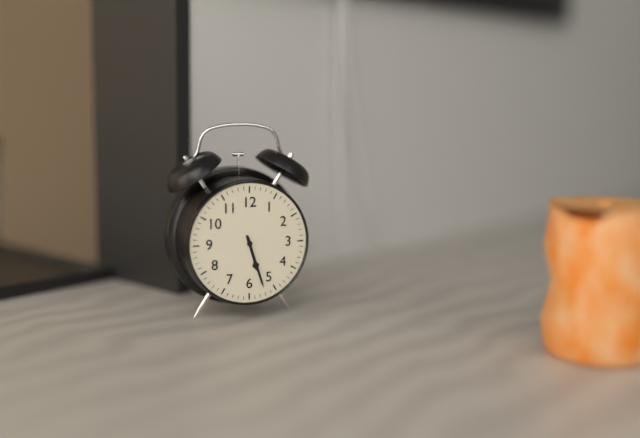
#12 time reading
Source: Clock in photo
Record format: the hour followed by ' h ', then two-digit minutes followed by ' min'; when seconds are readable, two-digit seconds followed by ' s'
5 h 27 min
